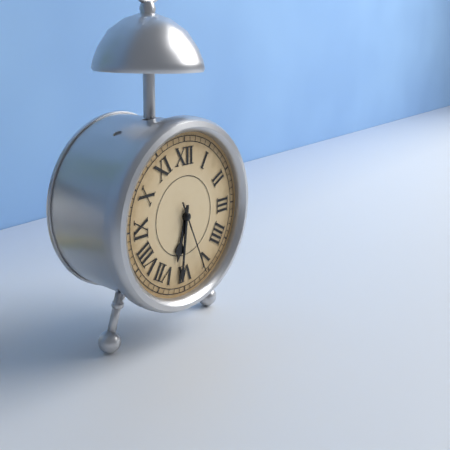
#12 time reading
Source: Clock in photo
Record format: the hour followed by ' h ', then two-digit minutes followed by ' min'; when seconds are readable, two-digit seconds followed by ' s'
6 h 31 min 26 s
